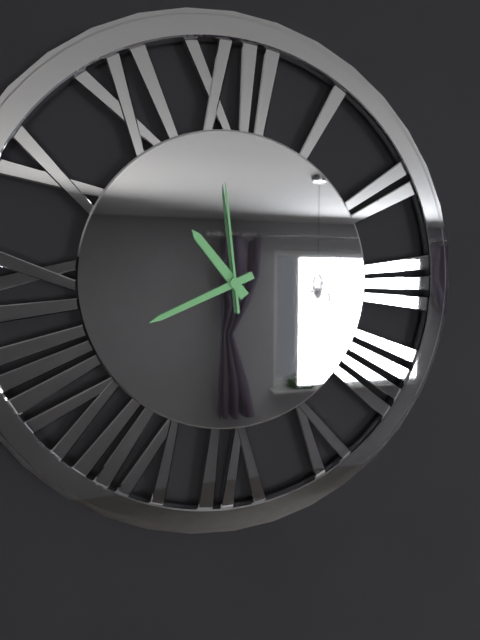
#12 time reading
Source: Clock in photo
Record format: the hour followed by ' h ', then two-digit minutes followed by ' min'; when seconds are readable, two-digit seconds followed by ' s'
10 h 41 min 59 s
